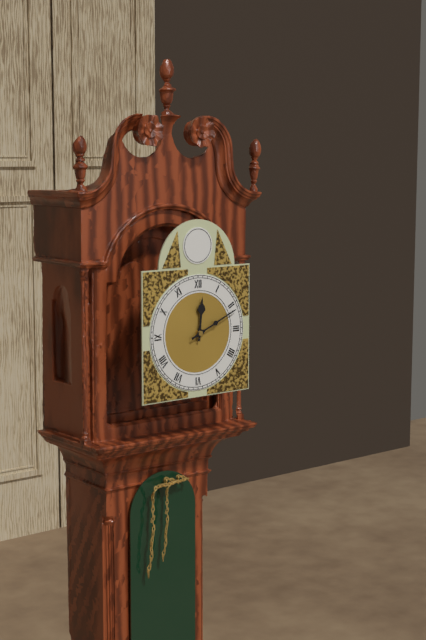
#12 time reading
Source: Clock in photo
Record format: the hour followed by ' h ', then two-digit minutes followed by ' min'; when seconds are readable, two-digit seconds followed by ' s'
12 h 11 min
